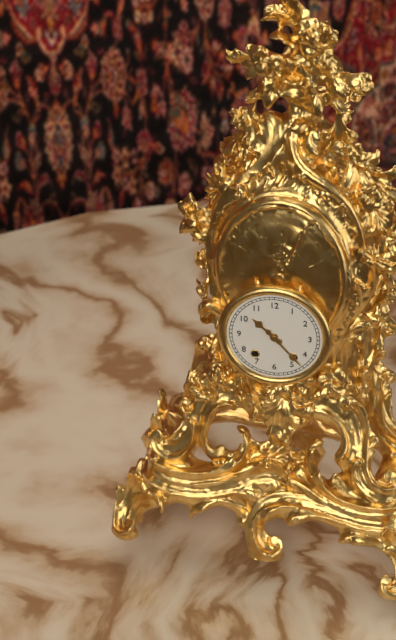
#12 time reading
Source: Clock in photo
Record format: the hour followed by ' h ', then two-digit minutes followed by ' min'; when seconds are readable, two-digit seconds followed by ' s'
10 h 23 min
